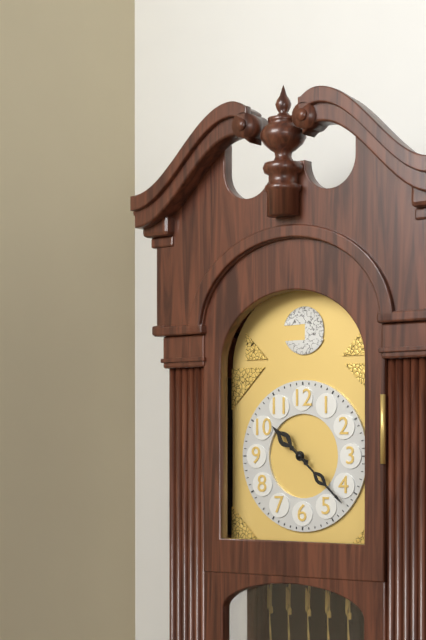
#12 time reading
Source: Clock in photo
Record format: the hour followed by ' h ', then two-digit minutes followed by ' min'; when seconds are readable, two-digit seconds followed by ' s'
10 h 22 min
